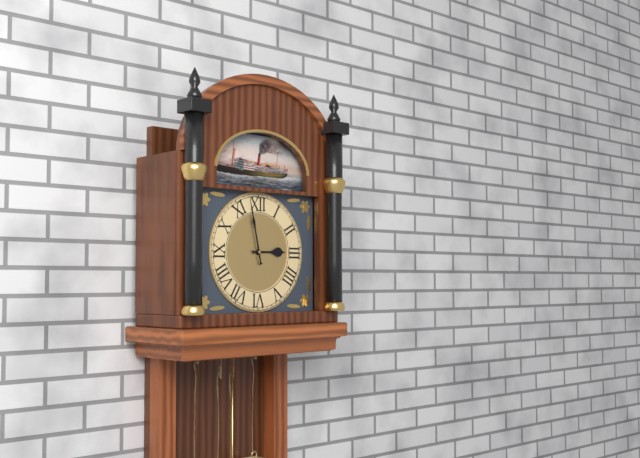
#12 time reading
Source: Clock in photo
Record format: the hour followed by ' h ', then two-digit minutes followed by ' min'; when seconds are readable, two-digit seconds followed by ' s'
2 h 58 min
